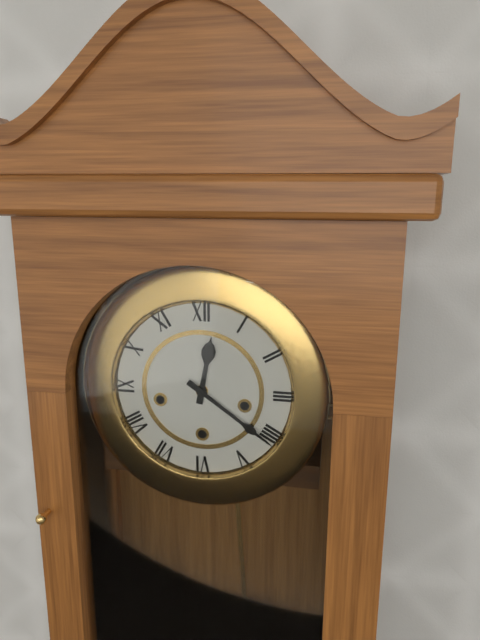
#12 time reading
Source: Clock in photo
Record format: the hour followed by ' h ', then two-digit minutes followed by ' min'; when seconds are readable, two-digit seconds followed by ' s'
12 h 21 min
